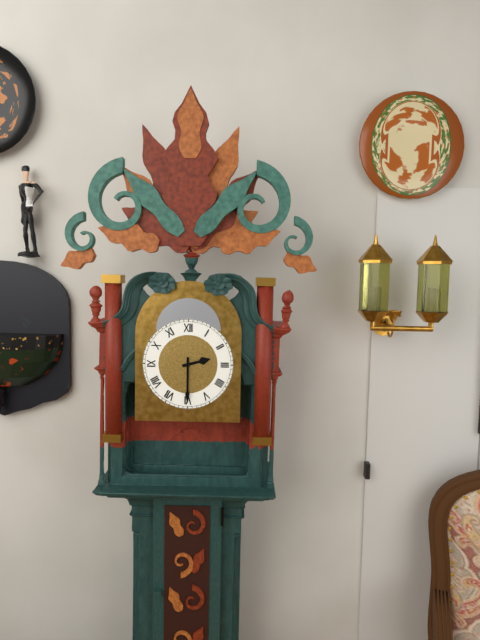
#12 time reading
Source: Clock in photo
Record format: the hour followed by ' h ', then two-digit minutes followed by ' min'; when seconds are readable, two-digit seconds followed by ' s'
2 h 30 min
